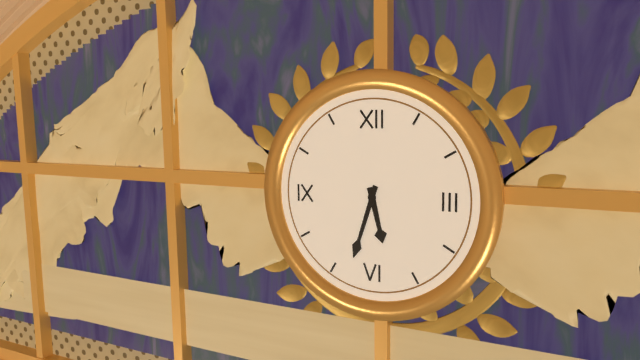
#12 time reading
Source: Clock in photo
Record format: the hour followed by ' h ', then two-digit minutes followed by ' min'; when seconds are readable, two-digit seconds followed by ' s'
5 h 33 min
